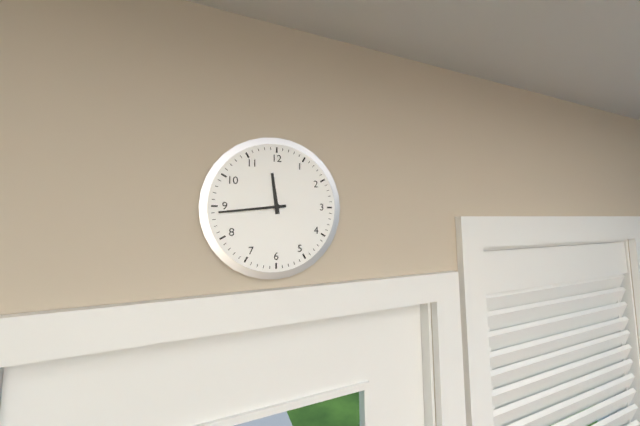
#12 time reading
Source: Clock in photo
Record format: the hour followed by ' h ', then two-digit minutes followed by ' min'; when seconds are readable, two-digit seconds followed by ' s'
11 h 44 min
